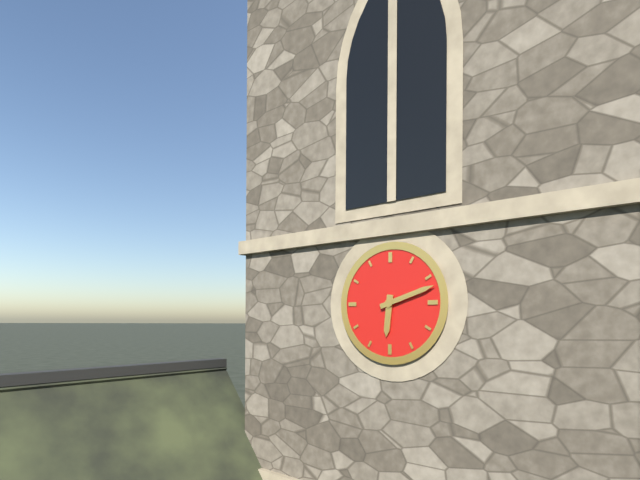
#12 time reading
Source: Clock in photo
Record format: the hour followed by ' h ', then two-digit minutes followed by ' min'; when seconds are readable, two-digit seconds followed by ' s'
6 h 12 min
